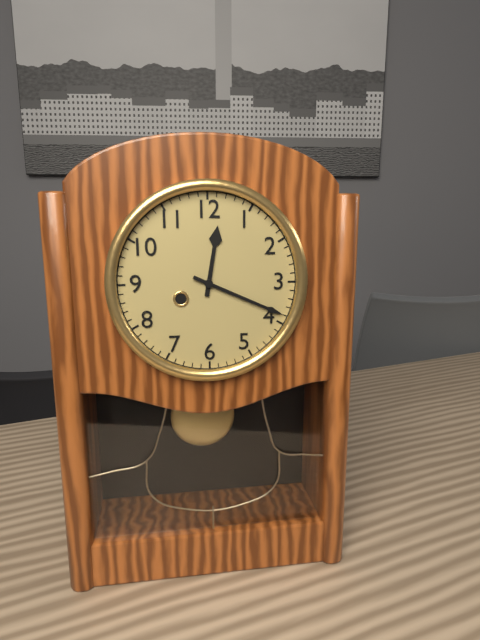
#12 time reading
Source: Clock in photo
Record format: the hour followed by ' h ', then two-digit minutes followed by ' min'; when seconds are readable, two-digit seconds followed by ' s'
12 h 19 min
